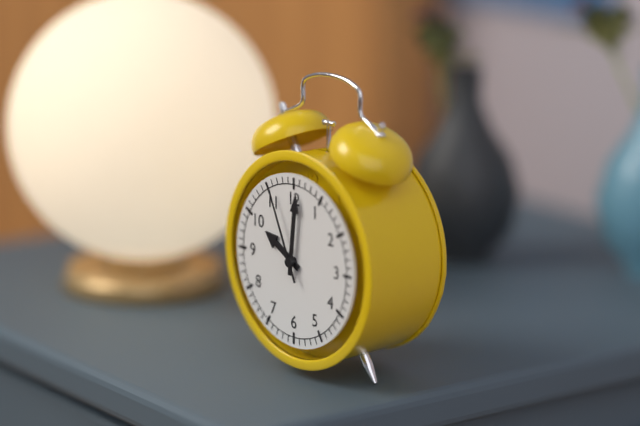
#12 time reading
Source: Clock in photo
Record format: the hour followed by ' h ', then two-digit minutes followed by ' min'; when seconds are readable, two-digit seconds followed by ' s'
10 h 01 min 56 s
